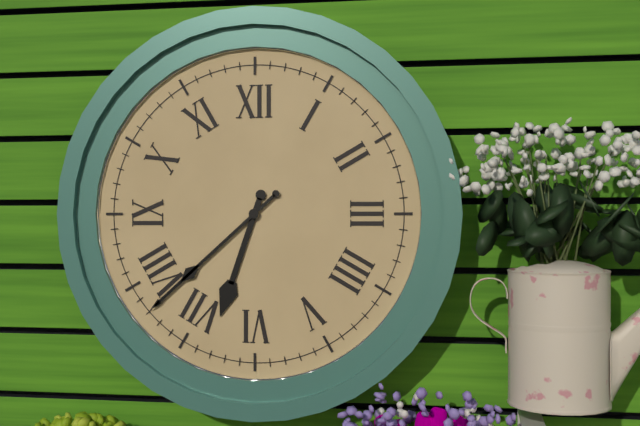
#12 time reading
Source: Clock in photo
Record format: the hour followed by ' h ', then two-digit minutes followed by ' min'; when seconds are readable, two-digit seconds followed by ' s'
6 h 38 min
